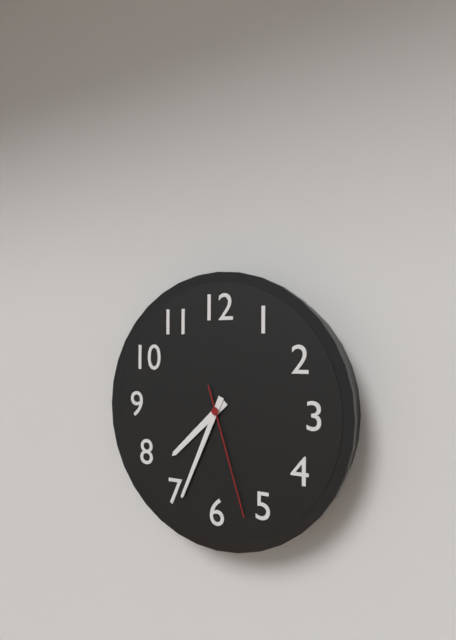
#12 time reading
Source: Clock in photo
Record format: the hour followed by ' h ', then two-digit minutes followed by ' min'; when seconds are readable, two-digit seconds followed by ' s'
7 h 34 min 27 s
